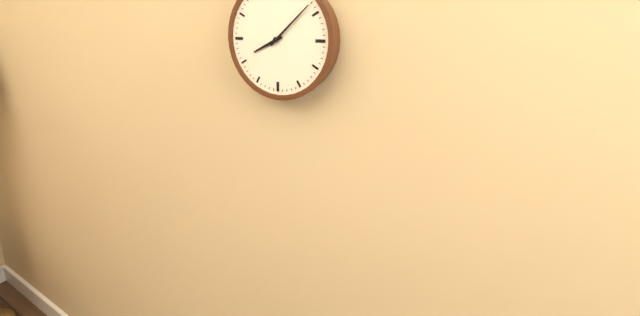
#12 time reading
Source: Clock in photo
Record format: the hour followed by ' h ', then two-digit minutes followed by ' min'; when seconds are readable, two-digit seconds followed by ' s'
8 h 08 min
